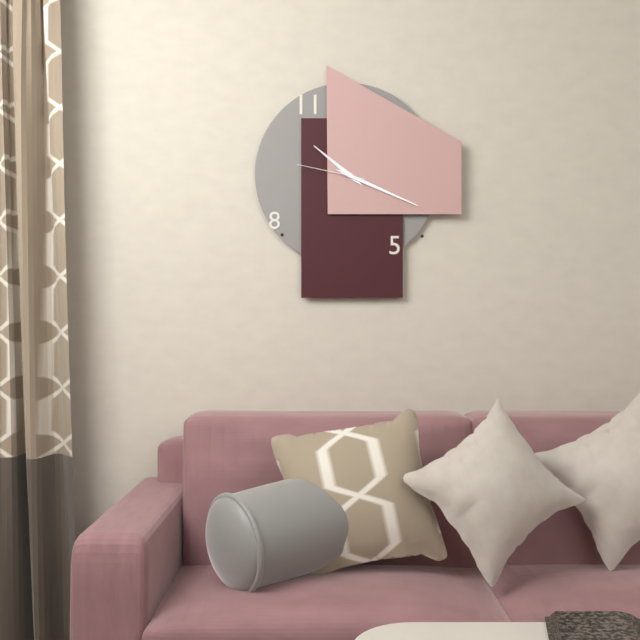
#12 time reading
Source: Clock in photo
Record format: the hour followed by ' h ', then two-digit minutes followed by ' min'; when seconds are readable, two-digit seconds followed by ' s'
10 h 19 min 47 s
